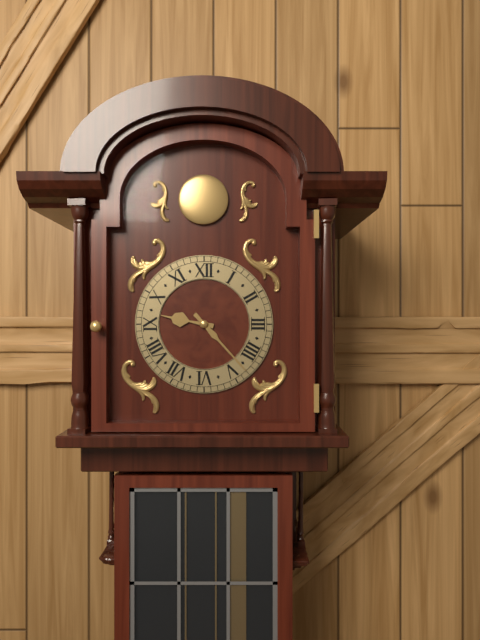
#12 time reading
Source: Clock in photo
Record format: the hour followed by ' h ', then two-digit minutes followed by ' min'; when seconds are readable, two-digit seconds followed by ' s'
9 h 23 min
